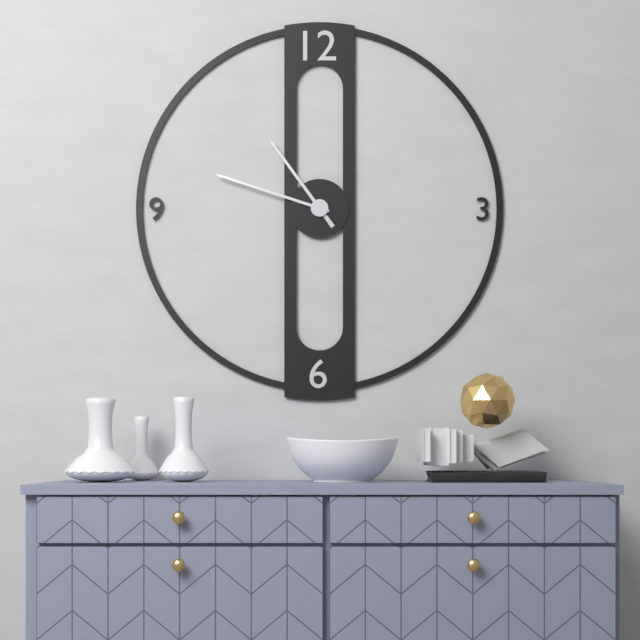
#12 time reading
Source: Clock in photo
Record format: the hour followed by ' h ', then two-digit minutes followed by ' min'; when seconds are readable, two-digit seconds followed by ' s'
10 h 48 min
